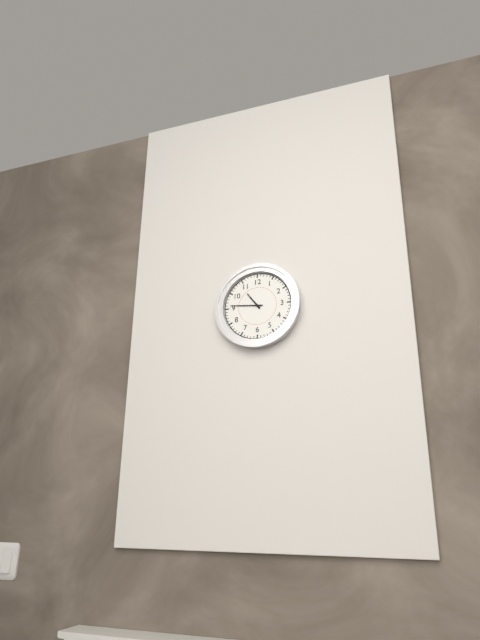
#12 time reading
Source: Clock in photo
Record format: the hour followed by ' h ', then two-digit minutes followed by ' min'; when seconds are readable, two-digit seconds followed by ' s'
10 h 46 min
